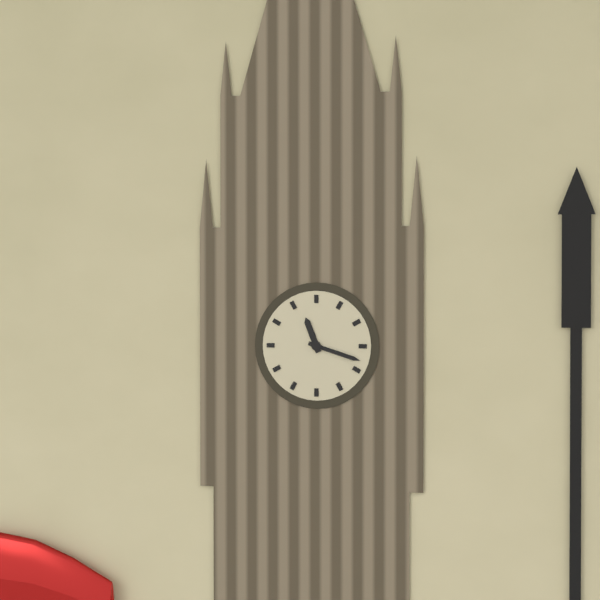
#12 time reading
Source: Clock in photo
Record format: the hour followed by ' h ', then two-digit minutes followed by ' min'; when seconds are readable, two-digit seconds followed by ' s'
11 h 18 min
